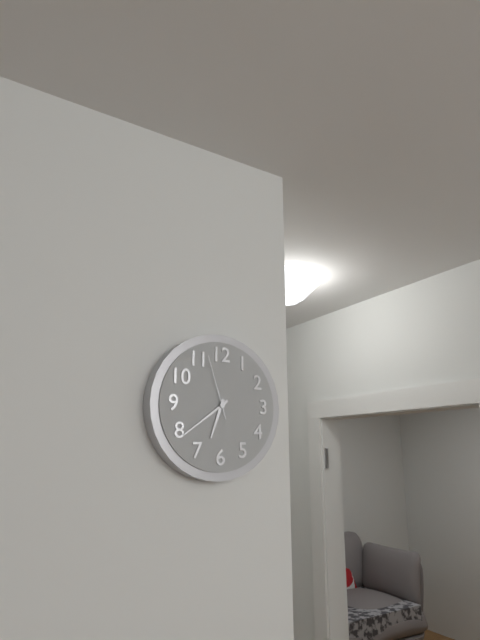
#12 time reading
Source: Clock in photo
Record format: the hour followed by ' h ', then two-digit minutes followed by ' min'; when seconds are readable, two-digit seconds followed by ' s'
6 h 39 min 57 s
